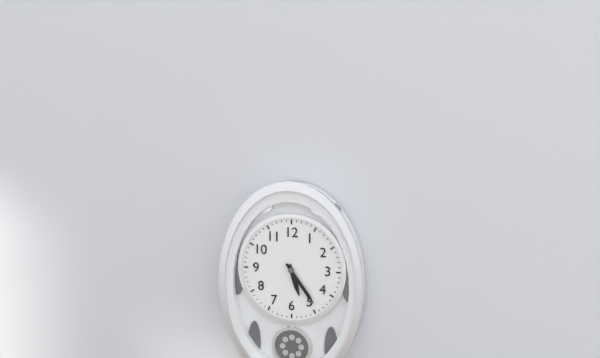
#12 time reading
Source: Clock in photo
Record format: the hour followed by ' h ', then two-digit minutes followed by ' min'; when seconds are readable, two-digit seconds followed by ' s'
5 h 24 min
